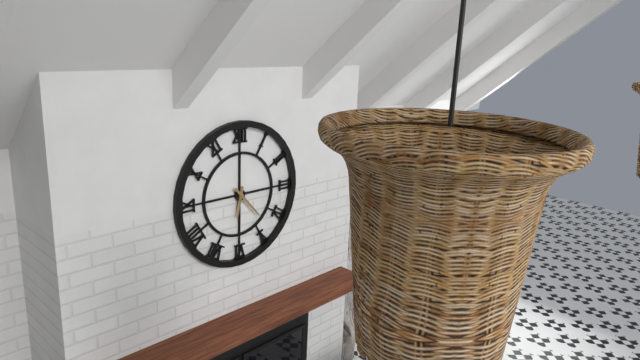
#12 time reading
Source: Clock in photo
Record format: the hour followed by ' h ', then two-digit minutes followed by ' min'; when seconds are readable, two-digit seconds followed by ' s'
6 h 23 min
